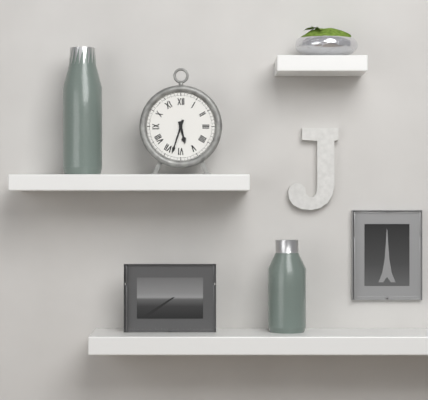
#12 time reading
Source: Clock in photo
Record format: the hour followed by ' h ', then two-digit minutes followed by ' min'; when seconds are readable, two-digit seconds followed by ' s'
5 h 33 min
